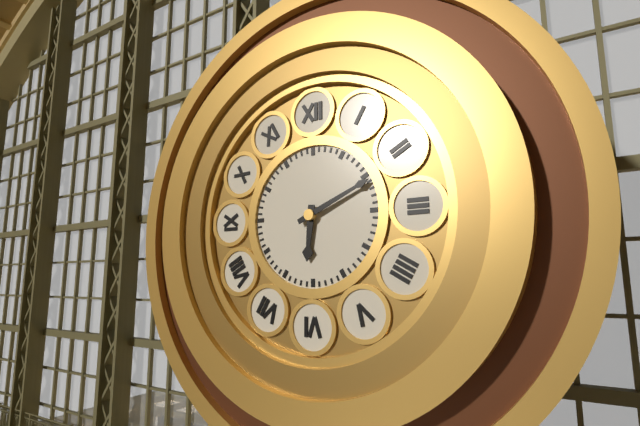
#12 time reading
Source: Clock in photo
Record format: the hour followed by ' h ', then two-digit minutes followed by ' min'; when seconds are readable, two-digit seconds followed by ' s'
6 h 11 min
